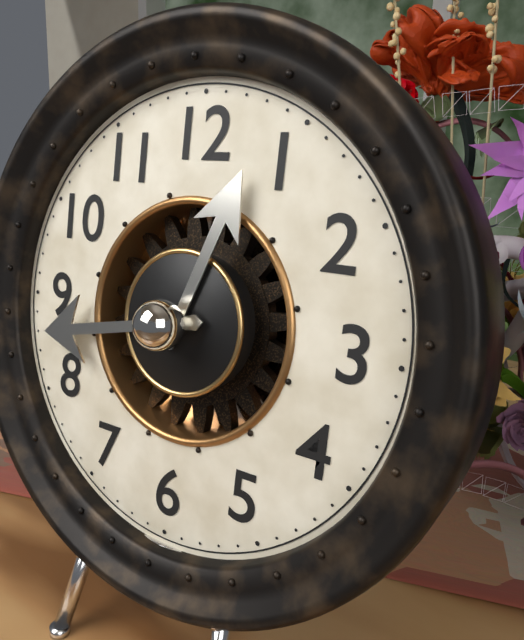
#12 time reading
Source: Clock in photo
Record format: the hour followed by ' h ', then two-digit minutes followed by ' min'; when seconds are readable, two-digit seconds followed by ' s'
12 h 43 min
